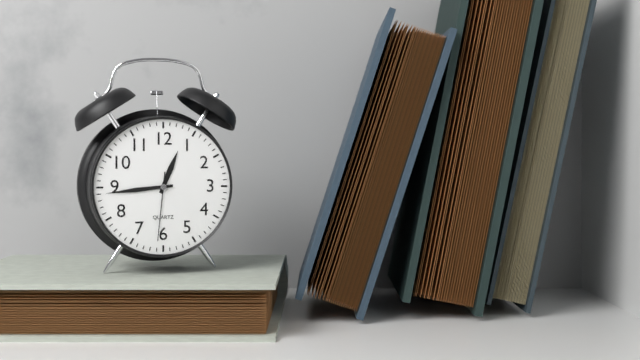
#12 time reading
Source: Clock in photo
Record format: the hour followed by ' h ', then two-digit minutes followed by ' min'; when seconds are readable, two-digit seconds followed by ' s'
12 h 44 min 31 s
